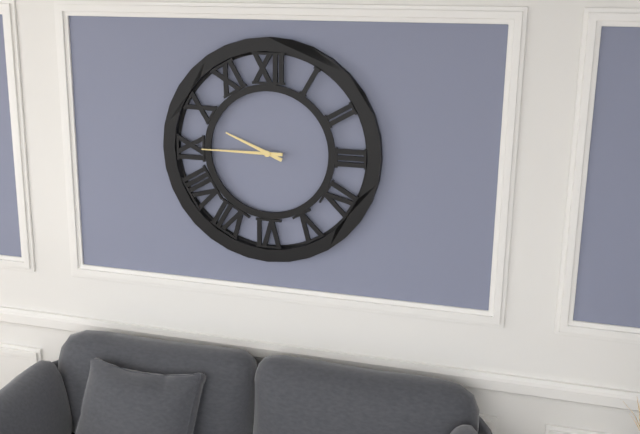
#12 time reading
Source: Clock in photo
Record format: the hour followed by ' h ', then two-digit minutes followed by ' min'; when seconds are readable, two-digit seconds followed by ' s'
9 h 45 min
